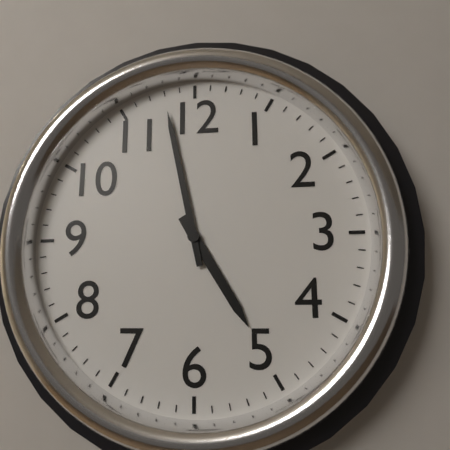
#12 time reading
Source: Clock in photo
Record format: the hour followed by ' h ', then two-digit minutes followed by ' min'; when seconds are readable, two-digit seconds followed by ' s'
4 h 58 min
